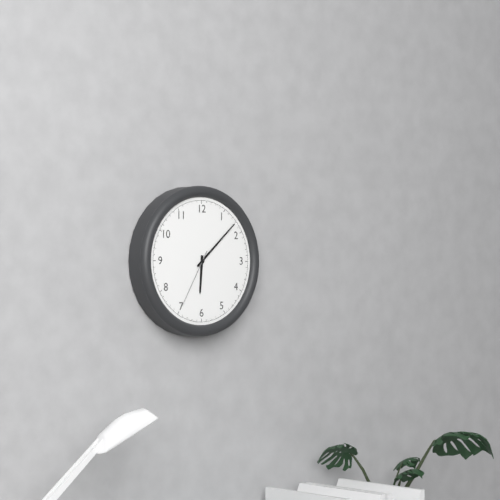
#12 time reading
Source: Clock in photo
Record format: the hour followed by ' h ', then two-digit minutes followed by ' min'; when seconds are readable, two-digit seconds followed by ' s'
6 h 08 min 35 s
